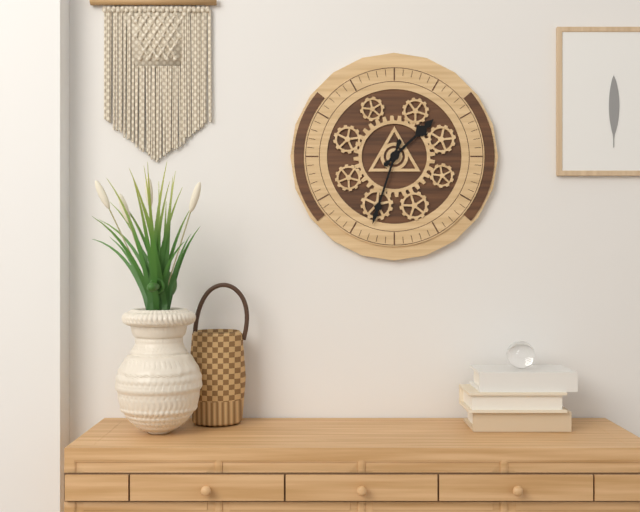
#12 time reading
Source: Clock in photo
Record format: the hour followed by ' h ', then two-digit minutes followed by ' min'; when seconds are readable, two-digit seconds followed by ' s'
1 h 33 min
